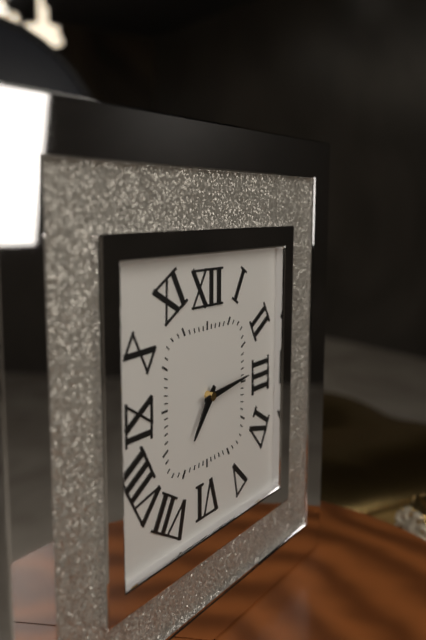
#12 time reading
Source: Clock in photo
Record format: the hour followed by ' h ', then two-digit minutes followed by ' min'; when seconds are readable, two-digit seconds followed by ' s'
7 h 14 min
